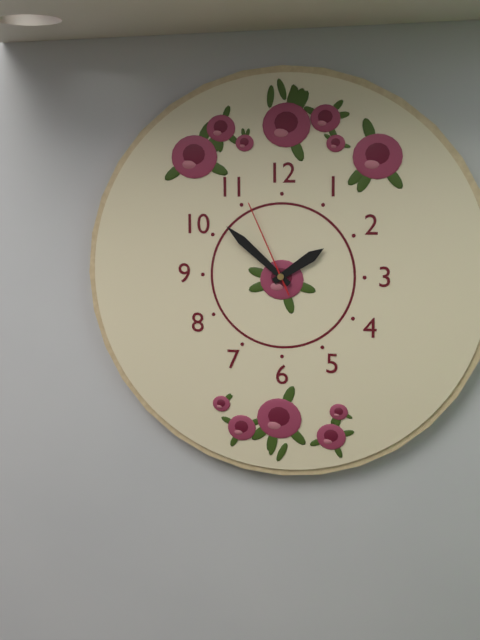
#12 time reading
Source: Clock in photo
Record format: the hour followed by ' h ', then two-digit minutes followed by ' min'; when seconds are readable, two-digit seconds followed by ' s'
1 h 52 min 56 s
